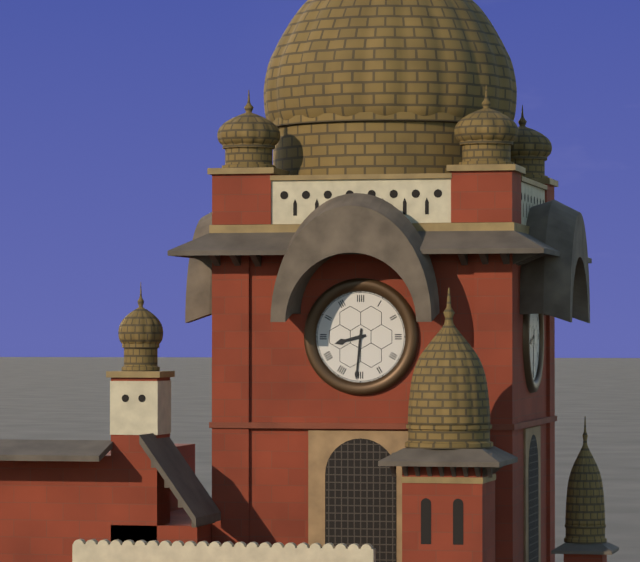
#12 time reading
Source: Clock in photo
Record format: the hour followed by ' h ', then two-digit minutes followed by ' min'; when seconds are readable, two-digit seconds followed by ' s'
8 h 31 min
